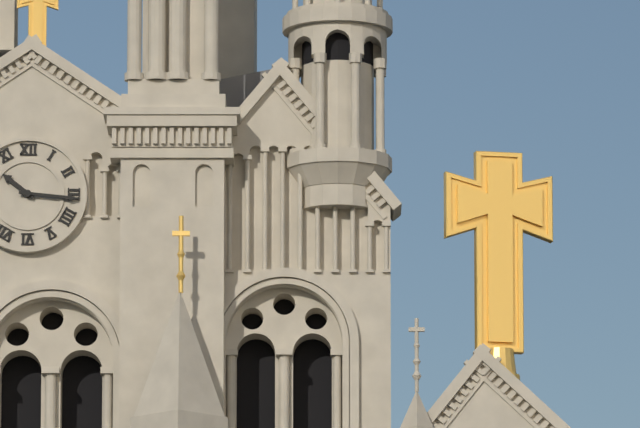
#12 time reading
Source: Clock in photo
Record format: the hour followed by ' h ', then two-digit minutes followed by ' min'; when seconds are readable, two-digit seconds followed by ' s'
10 h 16 min
